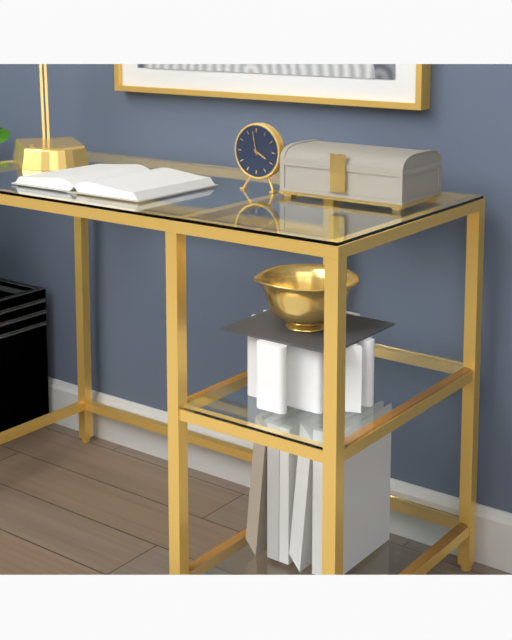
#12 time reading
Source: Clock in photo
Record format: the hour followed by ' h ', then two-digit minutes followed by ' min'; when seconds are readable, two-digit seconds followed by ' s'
3 h 58 min
